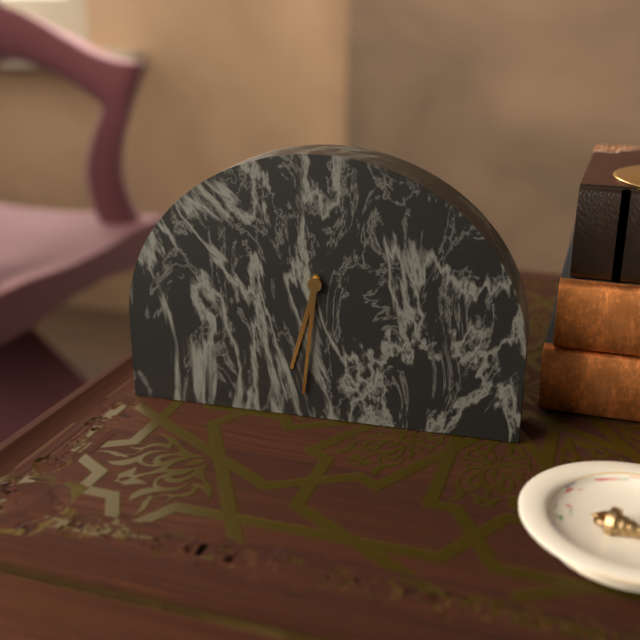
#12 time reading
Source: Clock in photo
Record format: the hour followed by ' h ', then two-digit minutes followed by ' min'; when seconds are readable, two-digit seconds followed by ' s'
6 h 31 min
